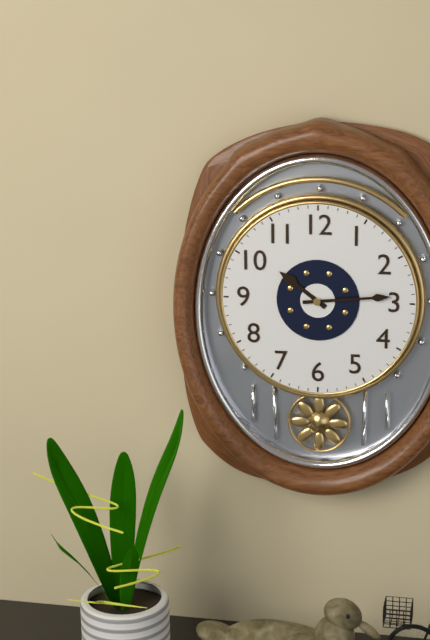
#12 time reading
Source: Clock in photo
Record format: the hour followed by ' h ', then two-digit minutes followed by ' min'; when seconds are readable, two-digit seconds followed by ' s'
10 h 14 min
